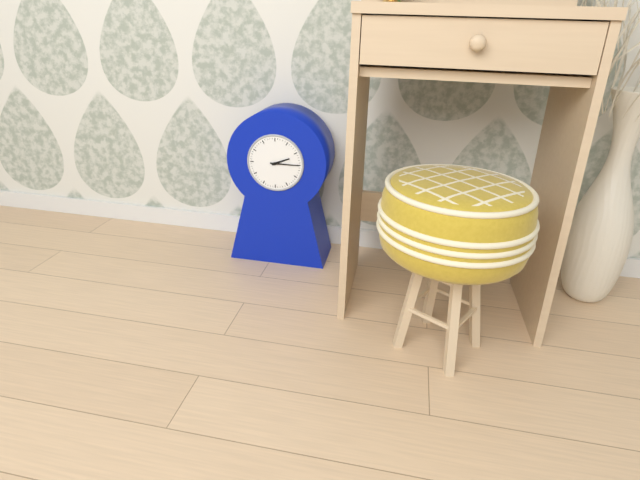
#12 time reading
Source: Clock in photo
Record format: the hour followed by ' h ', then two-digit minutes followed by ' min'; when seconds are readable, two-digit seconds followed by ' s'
2 h 15 min
